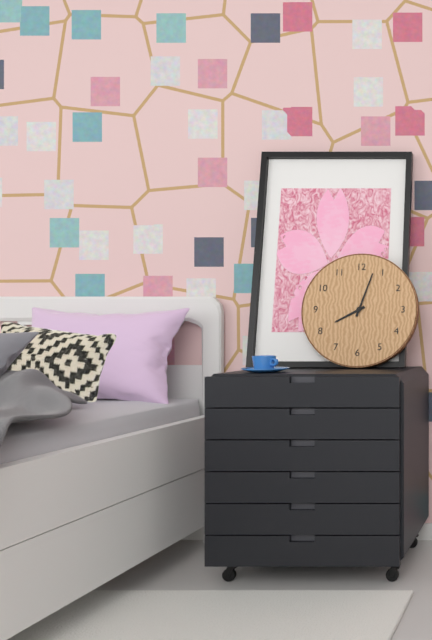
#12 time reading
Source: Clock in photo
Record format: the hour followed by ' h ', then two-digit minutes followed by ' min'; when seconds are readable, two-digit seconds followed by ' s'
8 h 03 min
